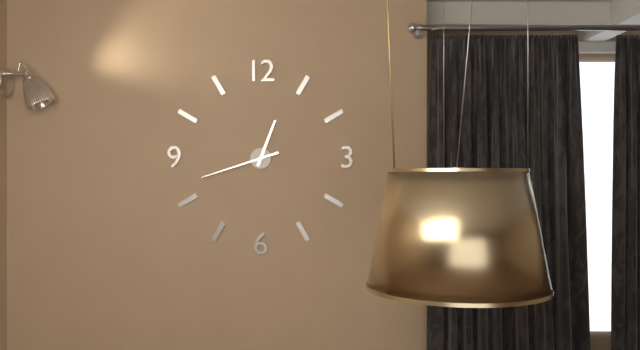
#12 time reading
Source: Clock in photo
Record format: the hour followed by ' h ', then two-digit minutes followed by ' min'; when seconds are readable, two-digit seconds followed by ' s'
12 h 42 min
